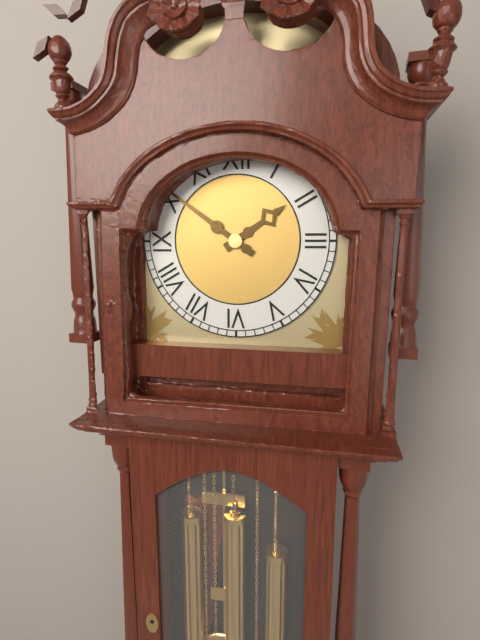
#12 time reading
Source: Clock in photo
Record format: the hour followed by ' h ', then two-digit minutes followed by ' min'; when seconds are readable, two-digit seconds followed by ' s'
1 h 51 min
